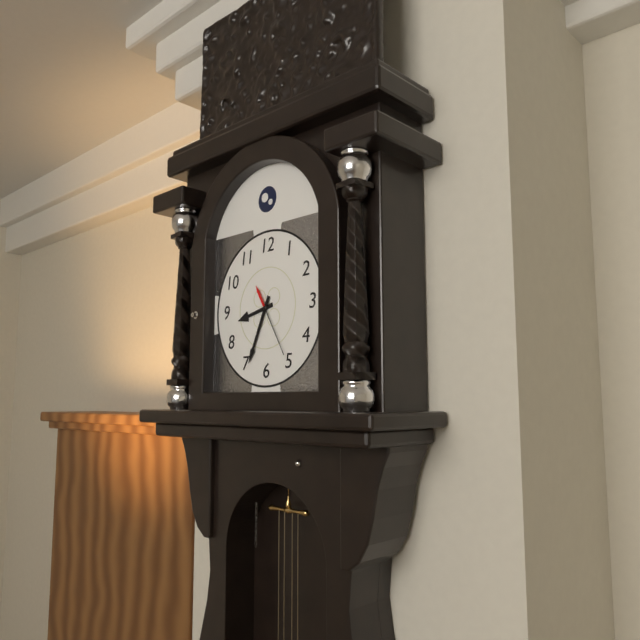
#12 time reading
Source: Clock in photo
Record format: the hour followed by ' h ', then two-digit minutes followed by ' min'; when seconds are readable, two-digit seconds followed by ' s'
8 h 34 min 25 s
